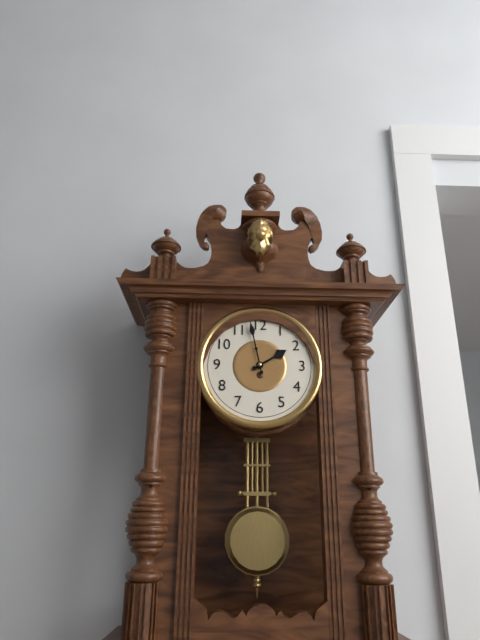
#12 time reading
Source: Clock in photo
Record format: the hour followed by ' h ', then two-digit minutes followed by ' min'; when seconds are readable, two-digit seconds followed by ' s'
1 h 58 min
